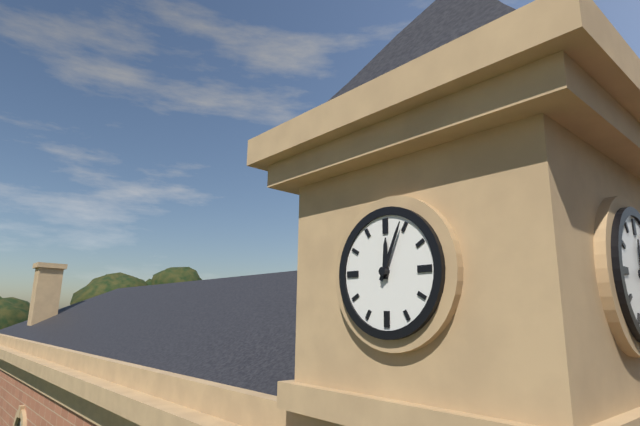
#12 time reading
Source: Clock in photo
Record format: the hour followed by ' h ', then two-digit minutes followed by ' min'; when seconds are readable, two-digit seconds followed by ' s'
12 h 04 min
